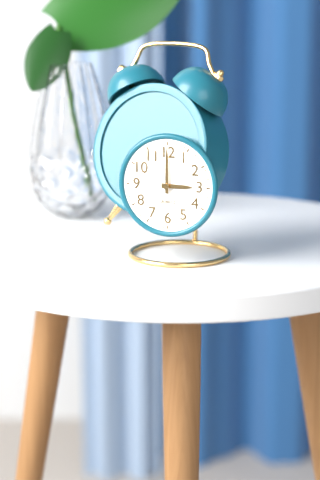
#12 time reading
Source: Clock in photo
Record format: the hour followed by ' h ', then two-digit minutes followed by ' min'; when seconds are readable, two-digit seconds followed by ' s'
3 h 00 min
